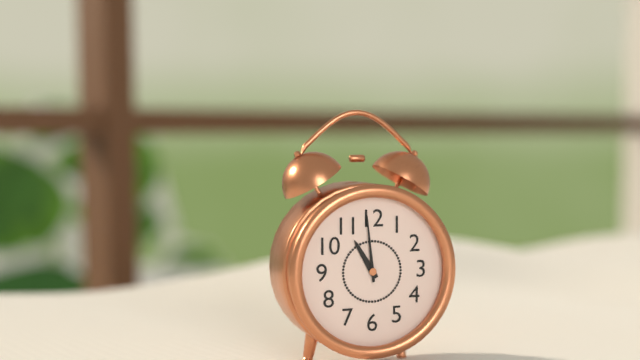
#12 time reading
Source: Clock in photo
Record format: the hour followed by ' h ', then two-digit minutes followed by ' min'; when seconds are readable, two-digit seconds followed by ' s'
10 h 59 min
